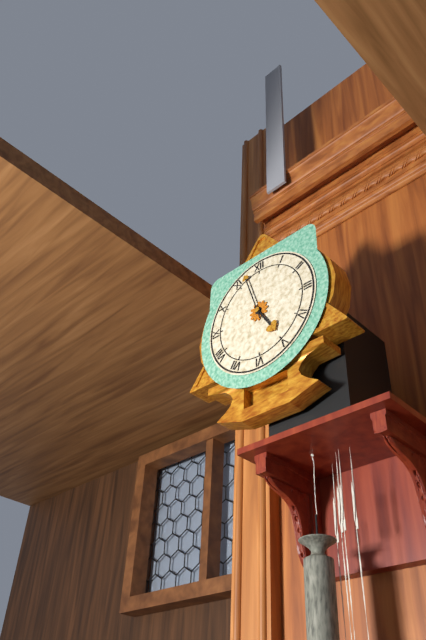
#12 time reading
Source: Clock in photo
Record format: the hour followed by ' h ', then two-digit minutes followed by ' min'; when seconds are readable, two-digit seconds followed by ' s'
4 h 57 min
